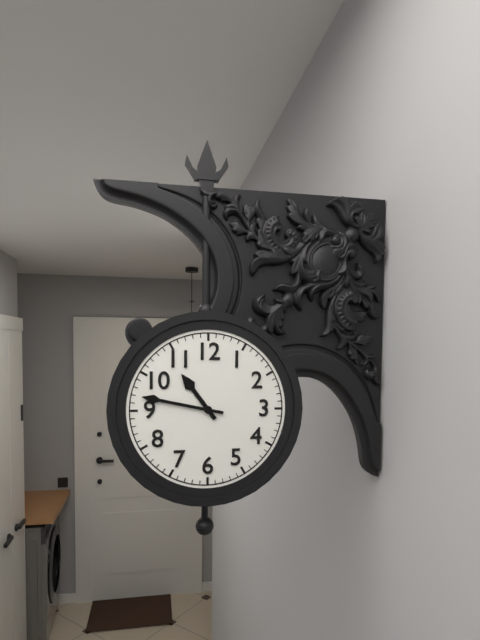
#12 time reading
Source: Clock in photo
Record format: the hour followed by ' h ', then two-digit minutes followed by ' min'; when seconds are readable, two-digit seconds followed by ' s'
10 h 47 min
